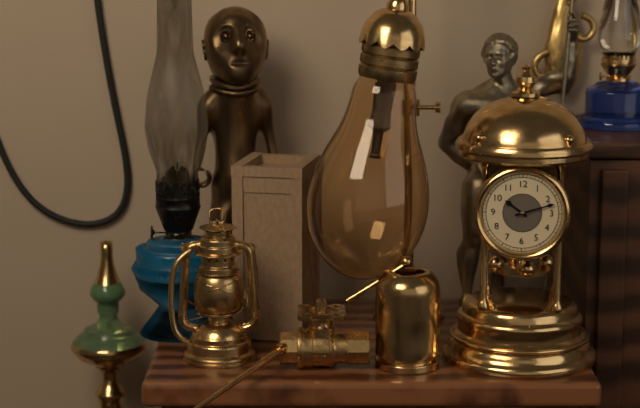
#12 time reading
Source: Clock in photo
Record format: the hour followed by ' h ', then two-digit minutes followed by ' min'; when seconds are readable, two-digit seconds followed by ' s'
10 h 12 min
